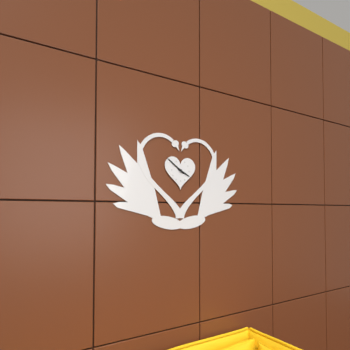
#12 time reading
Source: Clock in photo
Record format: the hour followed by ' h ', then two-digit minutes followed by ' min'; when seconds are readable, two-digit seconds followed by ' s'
3 h 51 min
